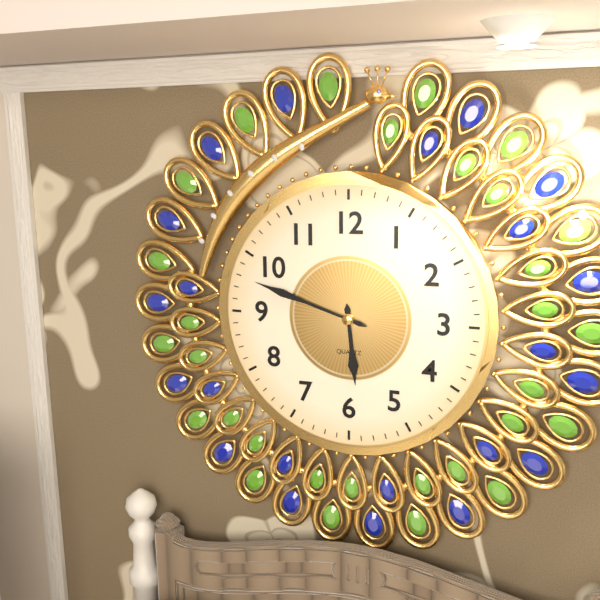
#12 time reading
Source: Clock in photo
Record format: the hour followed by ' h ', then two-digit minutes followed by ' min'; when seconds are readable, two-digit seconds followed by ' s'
5 h 48 min
